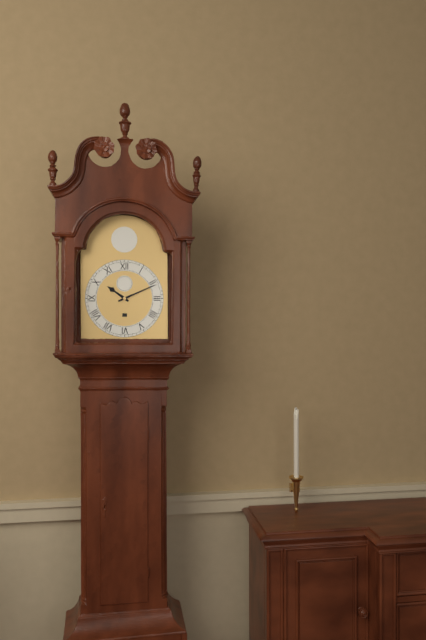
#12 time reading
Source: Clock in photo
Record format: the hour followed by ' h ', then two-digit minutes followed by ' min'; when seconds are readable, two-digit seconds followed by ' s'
10 h 11 min
